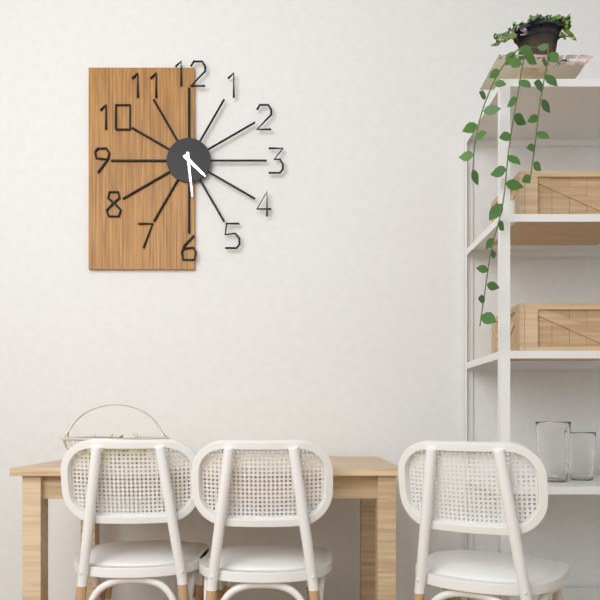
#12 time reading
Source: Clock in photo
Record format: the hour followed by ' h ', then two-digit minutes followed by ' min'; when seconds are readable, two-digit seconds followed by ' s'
4 h 29 min
